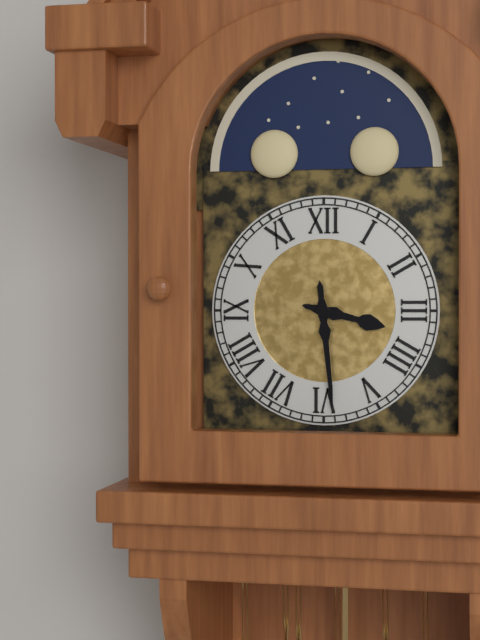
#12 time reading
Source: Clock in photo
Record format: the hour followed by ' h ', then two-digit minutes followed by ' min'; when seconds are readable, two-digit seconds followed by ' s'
3 h 29 min
